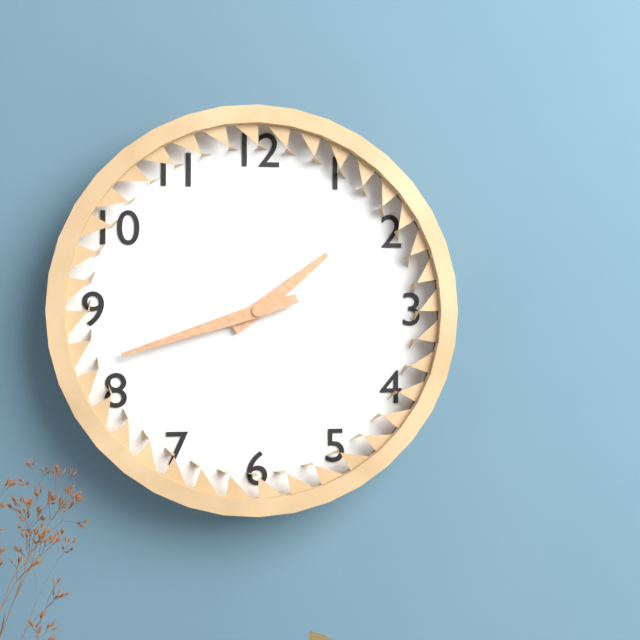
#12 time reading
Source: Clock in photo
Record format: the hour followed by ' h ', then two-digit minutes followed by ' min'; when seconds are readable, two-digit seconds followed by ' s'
1 h 42 min
